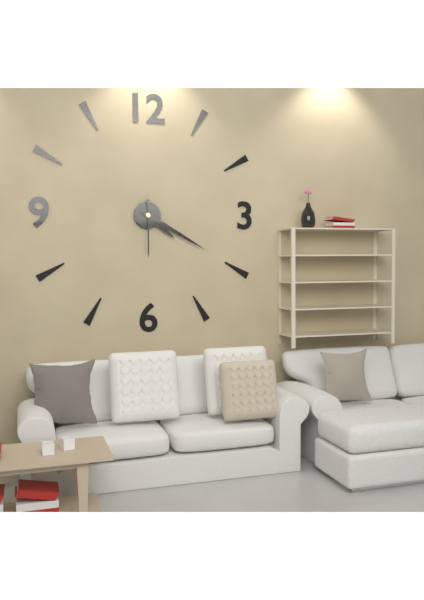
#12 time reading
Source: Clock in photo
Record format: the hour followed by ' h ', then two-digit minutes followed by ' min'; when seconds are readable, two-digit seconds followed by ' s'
4 h 20 min 30 s
